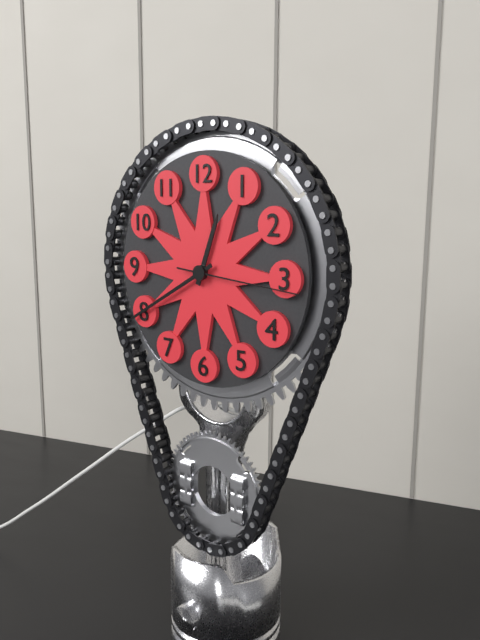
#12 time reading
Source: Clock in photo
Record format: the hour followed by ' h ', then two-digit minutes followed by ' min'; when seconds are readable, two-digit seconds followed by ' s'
12 h 40 min 16 s
